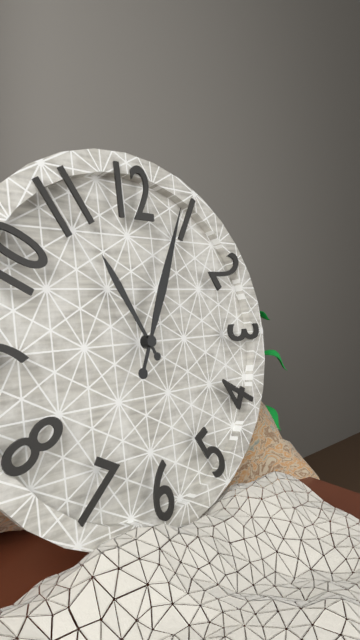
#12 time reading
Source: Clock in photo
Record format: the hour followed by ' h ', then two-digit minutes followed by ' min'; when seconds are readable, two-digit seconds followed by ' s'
11 h 04 min
